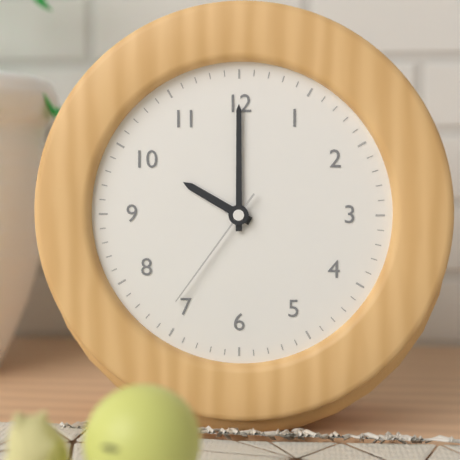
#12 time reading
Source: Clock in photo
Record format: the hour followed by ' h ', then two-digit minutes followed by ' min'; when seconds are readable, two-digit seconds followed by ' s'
10 h 00 min 36 s
